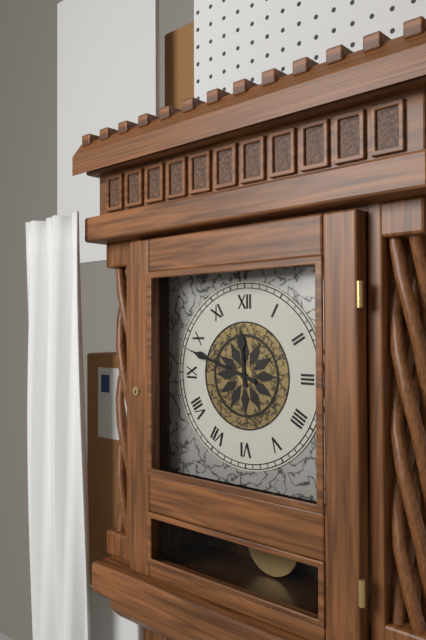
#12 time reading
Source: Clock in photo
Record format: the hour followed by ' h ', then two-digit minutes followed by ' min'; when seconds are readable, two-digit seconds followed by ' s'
11 h 48 min
